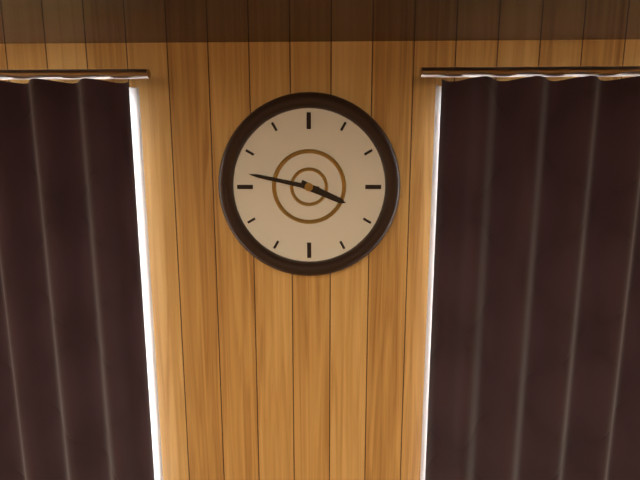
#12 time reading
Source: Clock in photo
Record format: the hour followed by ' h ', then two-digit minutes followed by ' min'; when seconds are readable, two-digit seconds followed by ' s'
3 h 47 min
